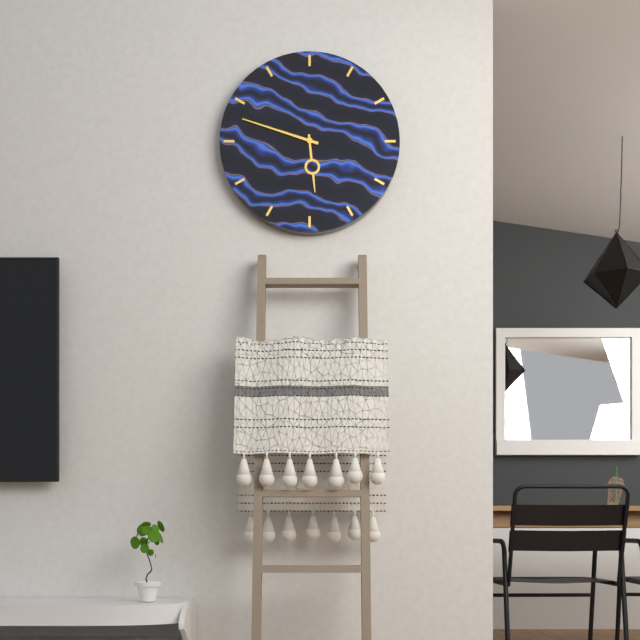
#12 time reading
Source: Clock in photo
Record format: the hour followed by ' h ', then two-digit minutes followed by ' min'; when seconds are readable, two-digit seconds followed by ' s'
5 h 48 min
